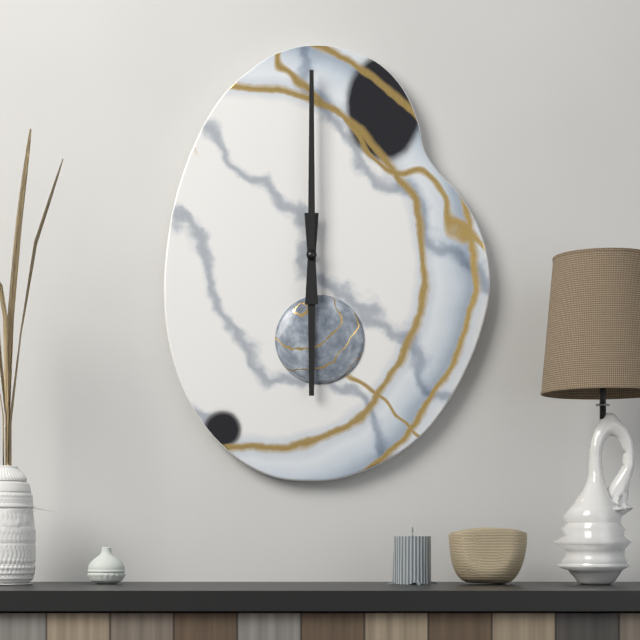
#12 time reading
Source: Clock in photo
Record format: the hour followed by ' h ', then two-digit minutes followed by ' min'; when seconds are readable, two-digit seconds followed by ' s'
6 h 00 min
